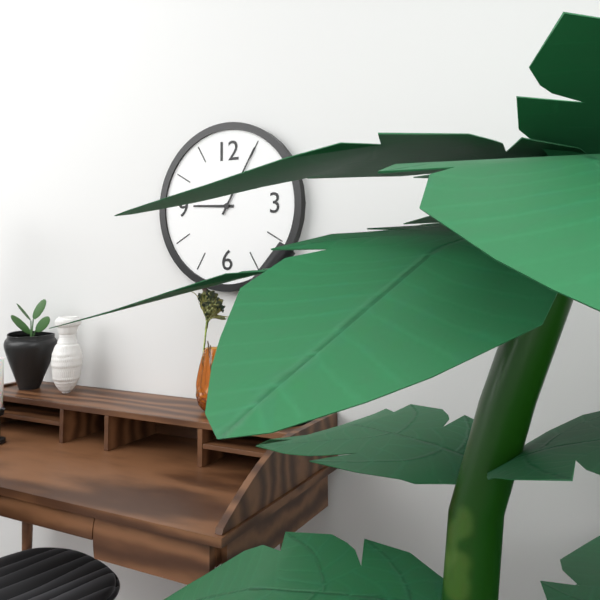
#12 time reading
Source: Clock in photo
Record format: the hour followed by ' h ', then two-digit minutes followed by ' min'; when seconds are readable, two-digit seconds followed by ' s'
9 h 05 min
